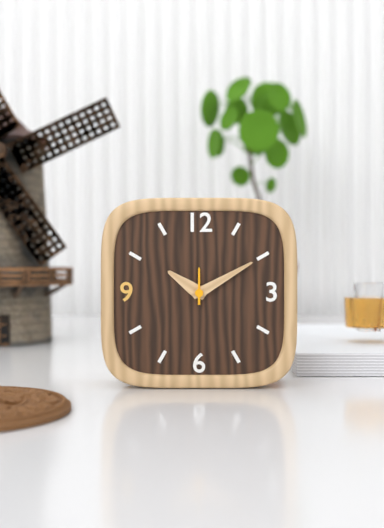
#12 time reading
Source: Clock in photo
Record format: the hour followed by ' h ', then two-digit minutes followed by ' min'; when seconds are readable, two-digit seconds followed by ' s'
10 h 10 min
